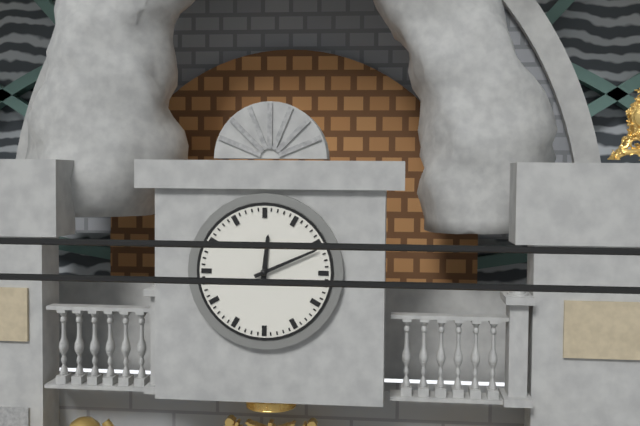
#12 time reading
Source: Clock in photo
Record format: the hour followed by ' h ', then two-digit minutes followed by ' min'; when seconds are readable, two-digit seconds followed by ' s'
12 h 11 min
